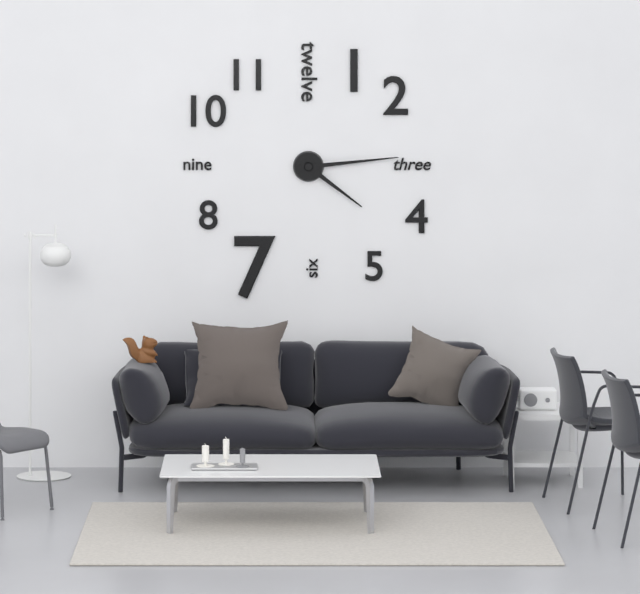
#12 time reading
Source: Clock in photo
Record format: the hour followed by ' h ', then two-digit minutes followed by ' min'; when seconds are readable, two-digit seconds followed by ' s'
4 h 14 min
